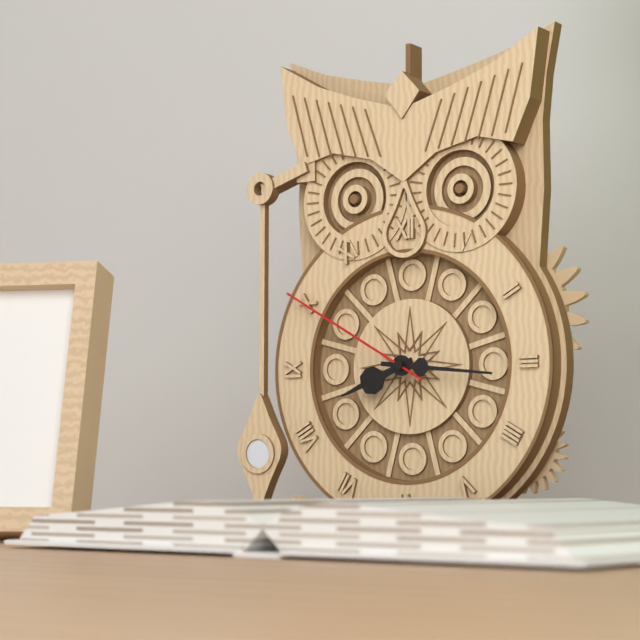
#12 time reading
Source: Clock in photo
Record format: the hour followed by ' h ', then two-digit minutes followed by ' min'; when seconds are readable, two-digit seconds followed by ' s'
8 h 16 min 50 s
